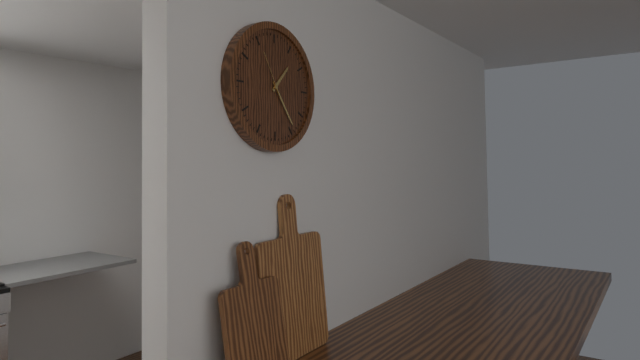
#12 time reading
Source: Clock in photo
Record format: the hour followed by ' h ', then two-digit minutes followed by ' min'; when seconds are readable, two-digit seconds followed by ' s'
1 h 24 min
